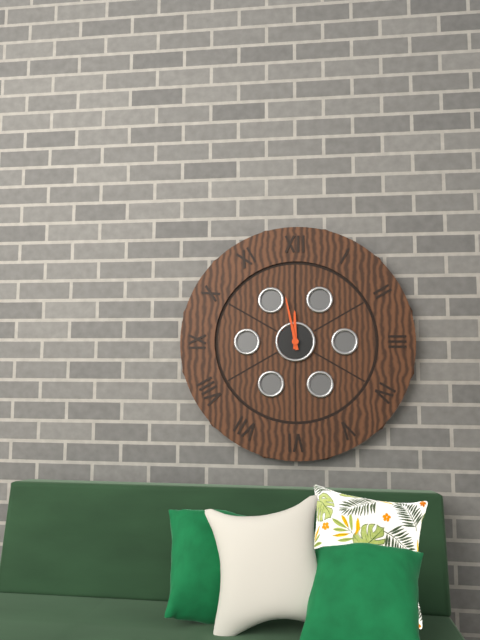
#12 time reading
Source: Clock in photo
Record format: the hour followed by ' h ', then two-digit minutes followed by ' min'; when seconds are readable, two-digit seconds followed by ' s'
11 h 58 min
